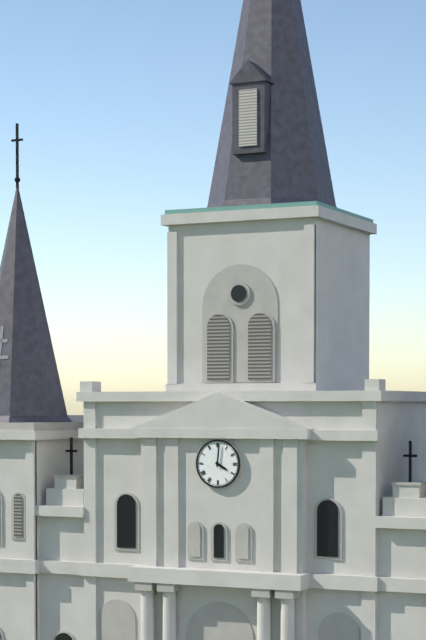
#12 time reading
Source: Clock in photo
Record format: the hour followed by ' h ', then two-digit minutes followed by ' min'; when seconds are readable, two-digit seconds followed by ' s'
4 h 01 min
